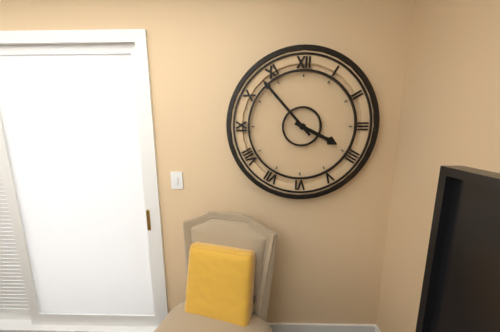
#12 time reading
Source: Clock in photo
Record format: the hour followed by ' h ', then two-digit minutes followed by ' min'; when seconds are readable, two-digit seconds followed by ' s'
3 h 53 min
